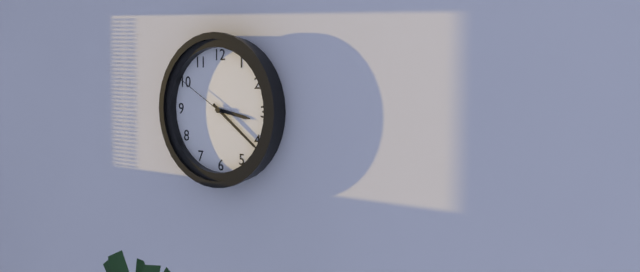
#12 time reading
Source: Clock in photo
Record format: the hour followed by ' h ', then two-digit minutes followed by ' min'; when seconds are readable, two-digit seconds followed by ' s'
3 h 21 min 50 s
